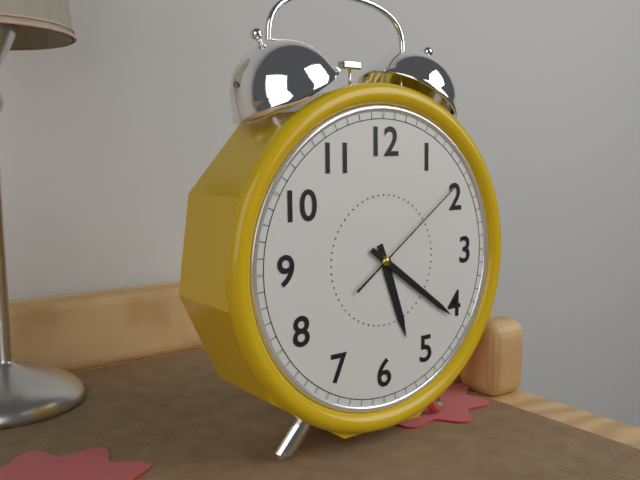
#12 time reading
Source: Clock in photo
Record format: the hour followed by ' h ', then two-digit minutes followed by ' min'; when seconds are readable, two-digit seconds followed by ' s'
5 h 21 min 09 s
